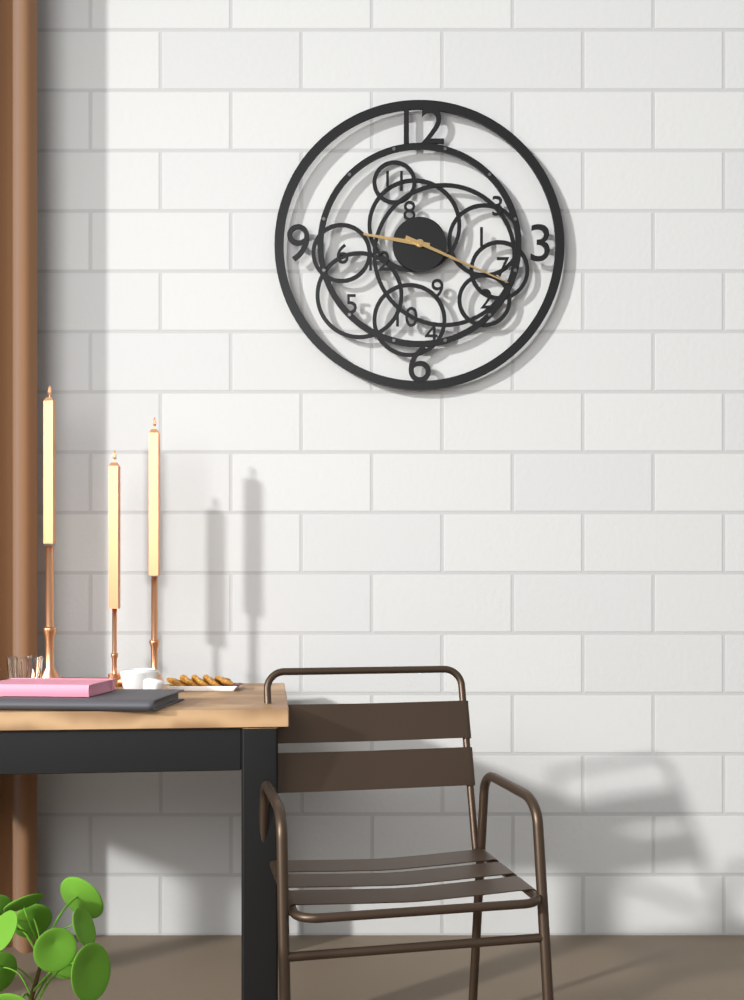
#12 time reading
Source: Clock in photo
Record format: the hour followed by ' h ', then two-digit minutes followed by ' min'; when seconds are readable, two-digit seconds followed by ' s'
9 h 19 min
